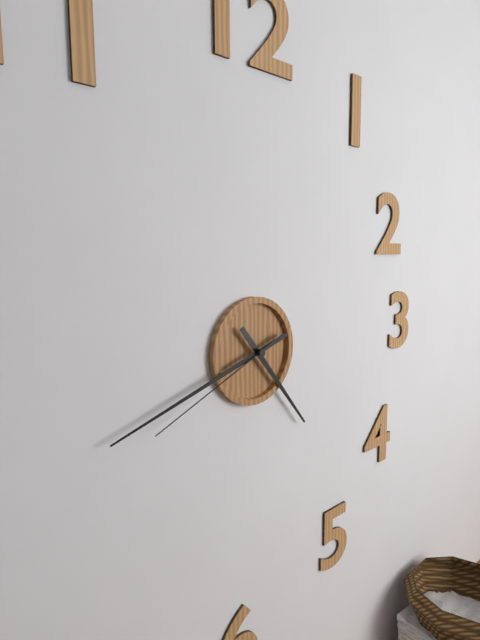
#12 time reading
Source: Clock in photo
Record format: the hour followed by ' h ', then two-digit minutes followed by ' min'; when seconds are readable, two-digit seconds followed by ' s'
4 h 42 min 41 s
